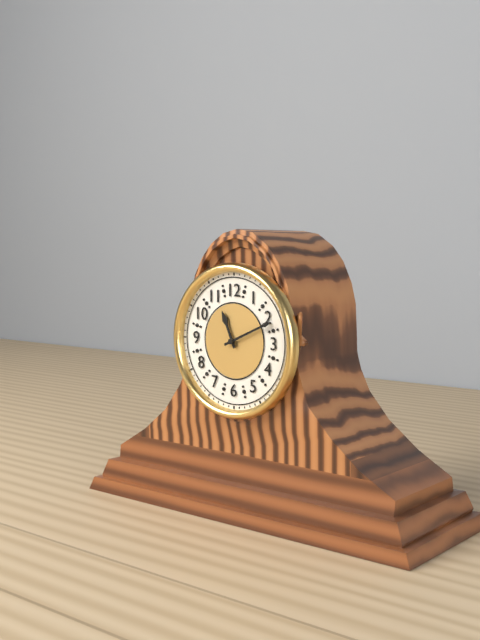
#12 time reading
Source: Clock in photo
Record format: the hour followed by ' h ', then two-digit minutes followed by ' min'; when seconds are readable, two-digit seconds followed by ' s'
11 h 11 min
